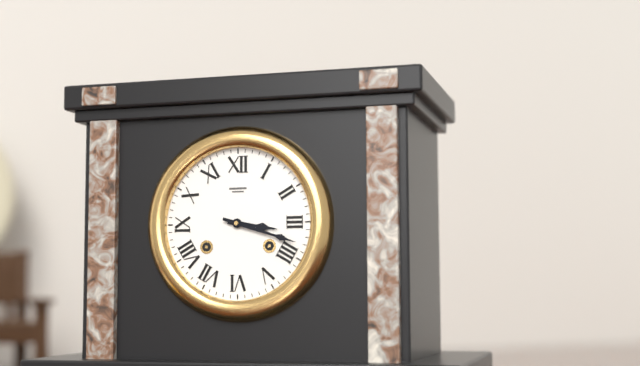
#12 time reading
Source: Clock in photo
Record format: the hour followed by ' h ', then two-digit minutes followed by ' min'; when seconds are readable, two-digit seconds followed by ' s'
3 h 18 min
